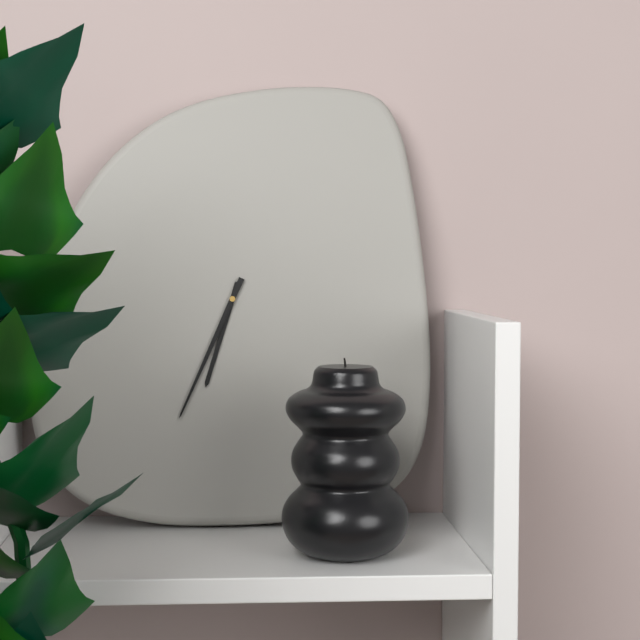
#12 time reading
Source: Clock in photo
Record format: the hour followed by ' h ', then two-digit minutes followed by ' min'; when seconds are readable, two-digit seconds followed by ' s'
6 h 34 min
